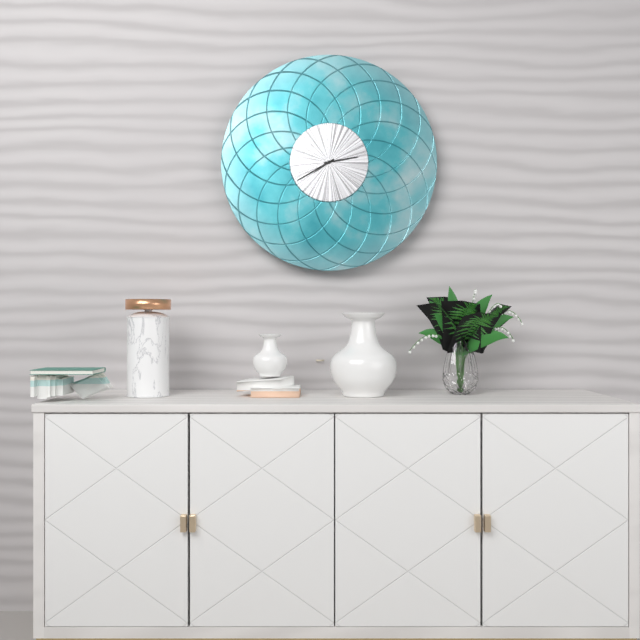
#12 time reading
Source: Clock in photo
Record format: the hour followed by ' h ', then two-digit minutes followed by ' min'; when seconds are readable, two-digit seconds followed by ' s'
2 h 40 min
